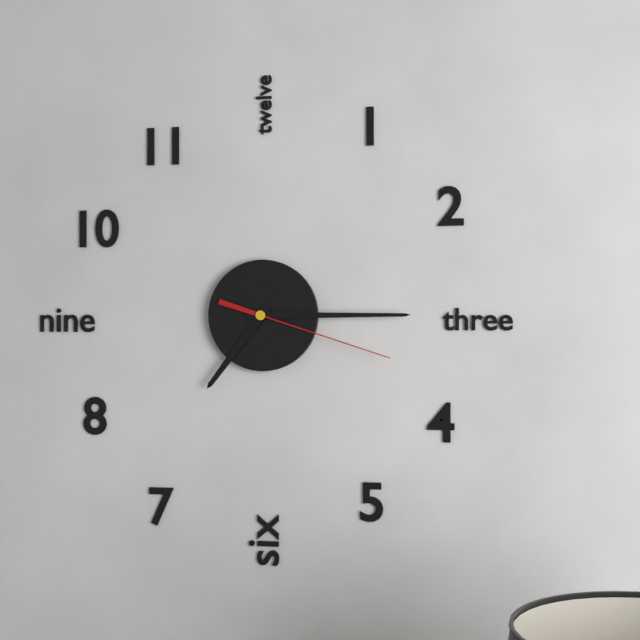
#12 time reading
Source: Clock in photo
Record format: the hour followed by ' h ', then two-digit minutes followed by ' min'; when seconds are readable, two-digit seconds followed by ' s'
7 h 15 min 18 s
